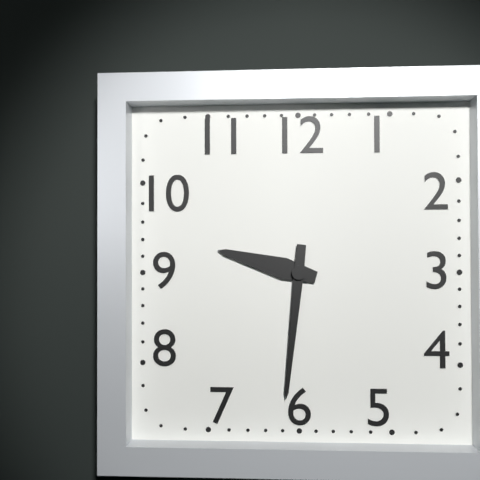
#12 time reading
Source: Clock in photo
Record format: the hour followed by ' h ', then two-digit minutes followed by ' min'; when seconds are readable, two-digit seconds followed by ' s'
9 h 31 min
